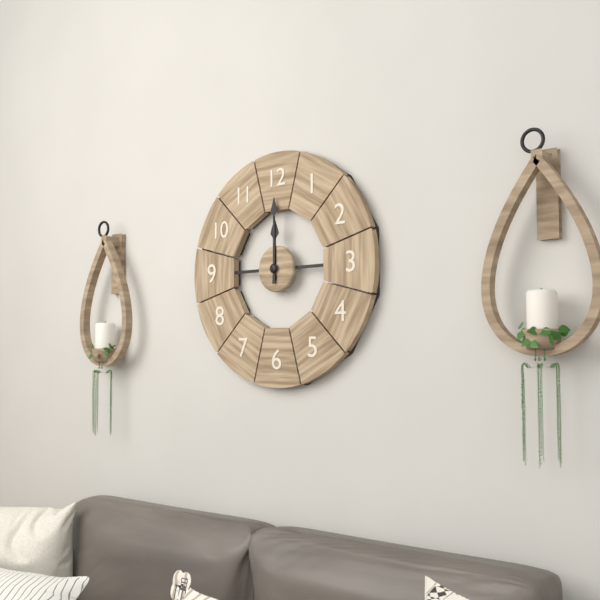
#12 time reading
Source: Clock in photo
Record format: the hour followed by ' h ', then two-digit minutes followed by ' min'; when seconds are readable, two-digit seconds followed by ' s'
12 h 00 min
